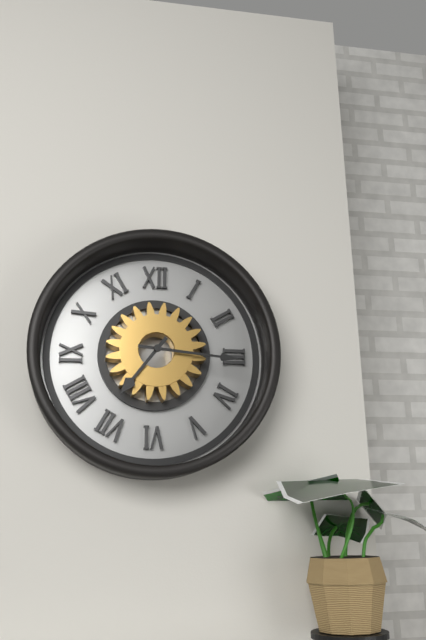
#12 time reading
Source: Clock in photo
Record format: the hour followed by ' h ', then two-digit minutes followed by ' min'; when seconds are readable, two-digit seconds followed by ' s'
7 h 16 min
